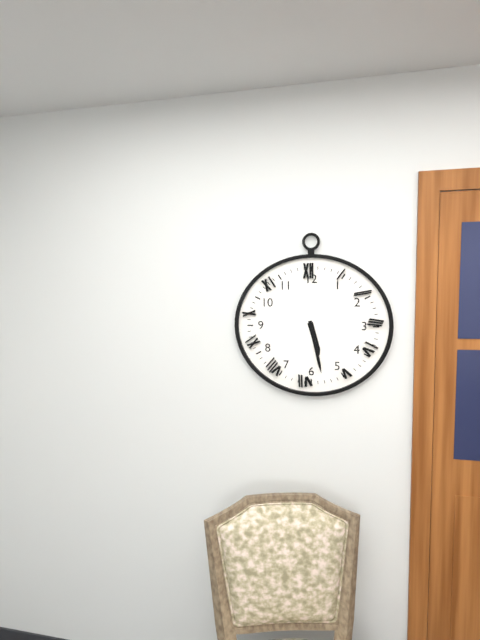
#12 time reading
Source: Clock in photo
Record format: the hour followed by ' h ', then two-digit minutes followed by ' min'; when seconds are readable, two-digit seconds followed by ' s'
5 h 28 min
